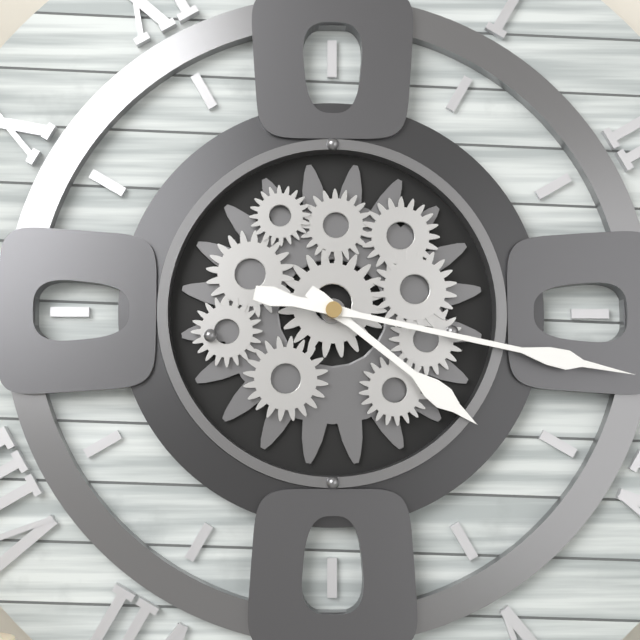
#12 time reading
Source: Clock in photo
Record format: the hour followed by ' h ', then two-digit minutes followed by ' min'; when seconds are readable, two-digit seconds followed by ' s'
4 h 17 min
